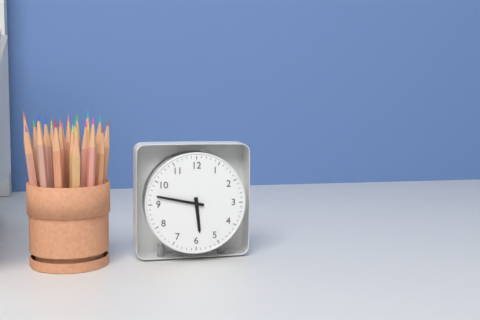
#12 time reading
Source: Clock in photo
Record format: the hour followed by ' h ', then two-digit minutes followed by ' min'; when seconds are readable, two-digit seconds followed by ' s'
5 h 47 min
